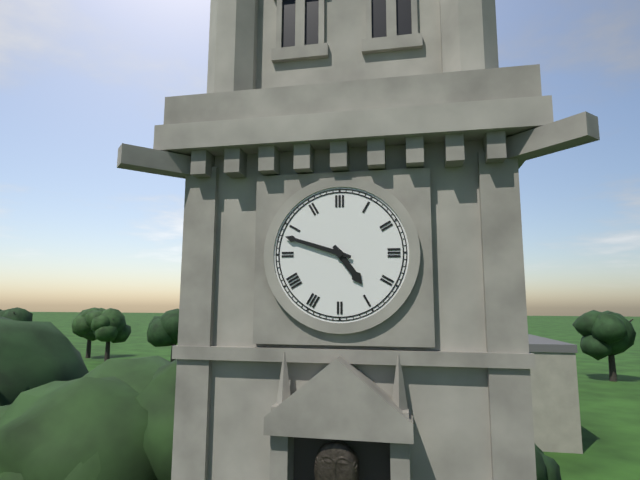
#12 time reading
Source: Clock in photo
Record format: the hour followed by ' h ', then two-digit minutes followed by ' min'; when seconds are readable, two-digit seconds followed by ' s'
4 h 48 min
